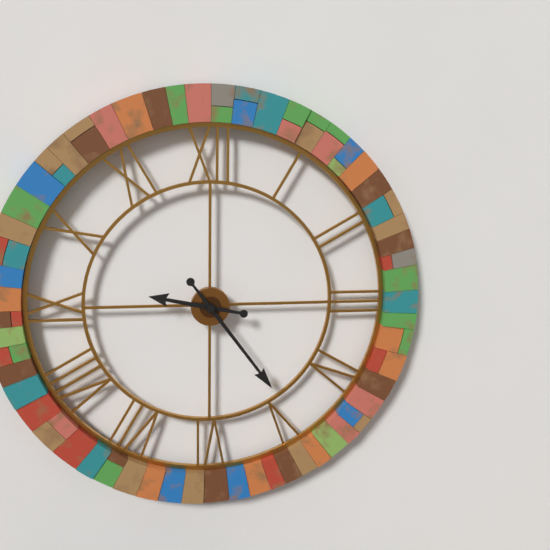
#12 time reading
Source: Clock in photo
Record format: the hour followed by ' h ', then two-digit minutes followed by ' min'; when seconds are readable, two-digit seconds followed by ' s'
9 h 24 min
